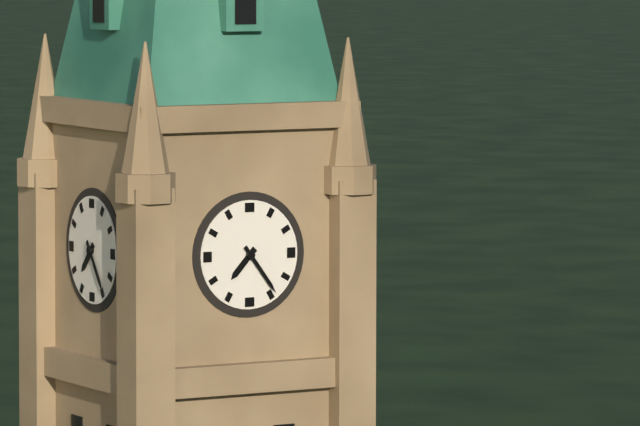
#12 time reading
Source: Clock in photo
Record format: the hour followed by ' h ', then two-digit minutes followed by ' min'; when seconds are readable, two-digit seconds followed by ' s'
7 h 24 min
